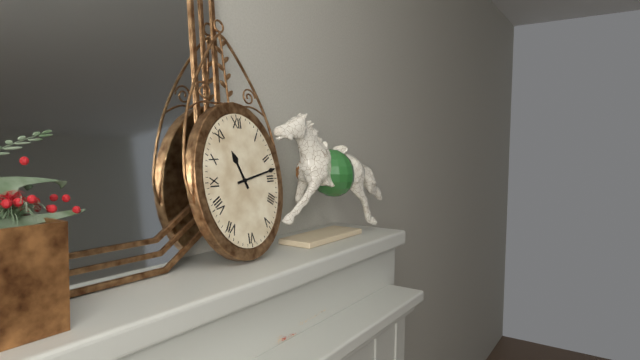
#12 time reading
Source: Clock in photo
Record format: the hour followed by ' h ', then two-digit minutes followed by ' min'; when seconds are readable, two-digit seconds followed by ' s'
11 h 13 min
